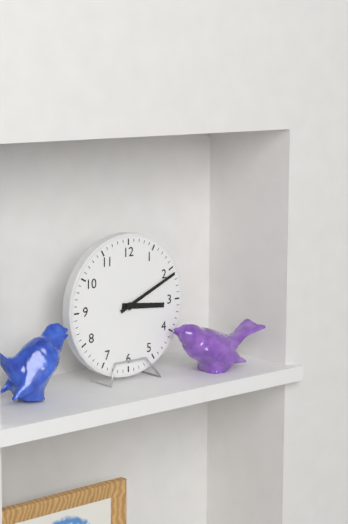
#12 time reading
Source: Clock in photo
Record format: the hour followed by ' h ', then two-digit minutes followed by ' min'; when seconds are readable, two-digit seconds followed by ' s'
3 h 11 min
